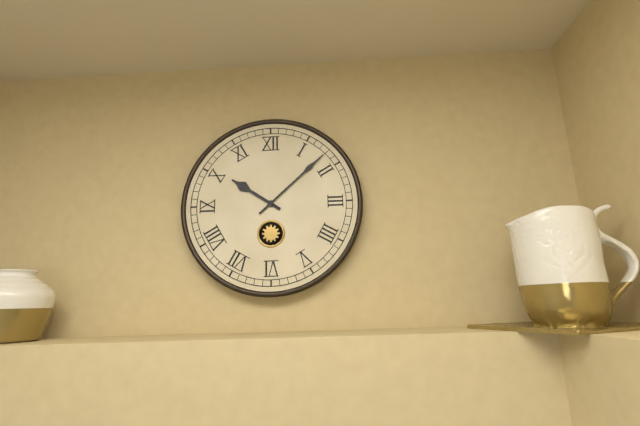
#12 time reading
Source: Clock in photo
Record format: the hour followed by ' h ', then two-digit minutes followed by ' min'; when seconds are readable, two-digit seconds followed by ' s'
10 h 08 min
